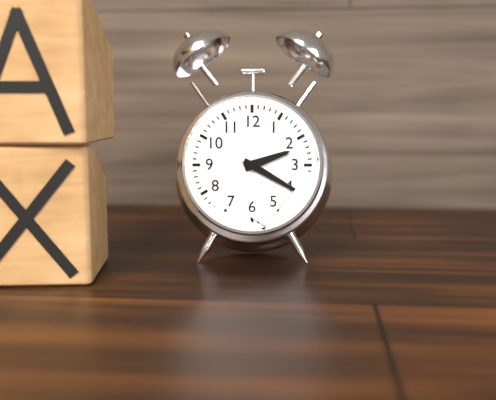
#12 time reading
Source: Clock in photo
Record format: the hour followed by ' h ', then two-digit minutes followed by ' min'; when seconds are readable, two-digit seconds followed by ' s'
2 h 20 min
